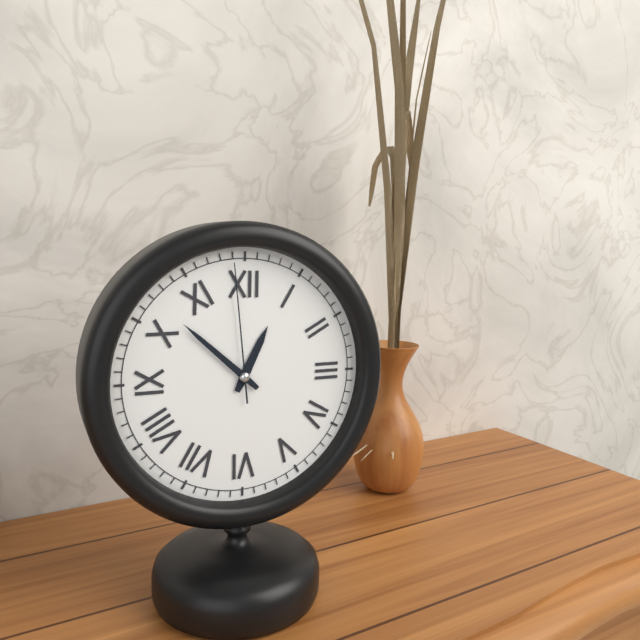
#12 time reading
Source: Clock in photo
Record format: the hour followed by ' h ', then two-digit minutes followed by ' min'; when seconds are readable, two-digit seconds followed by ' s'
12 h 52 min 59 s
